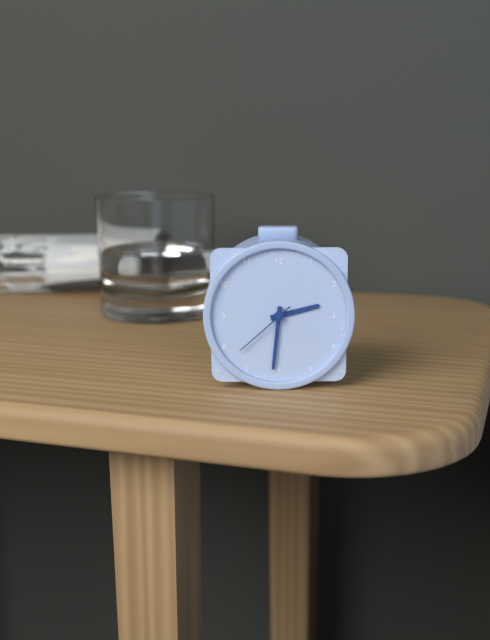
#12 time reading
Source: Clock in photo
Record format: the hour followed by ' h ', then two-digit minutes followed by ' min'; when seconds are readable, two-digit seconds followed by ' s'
2 h 31 min 38 s
